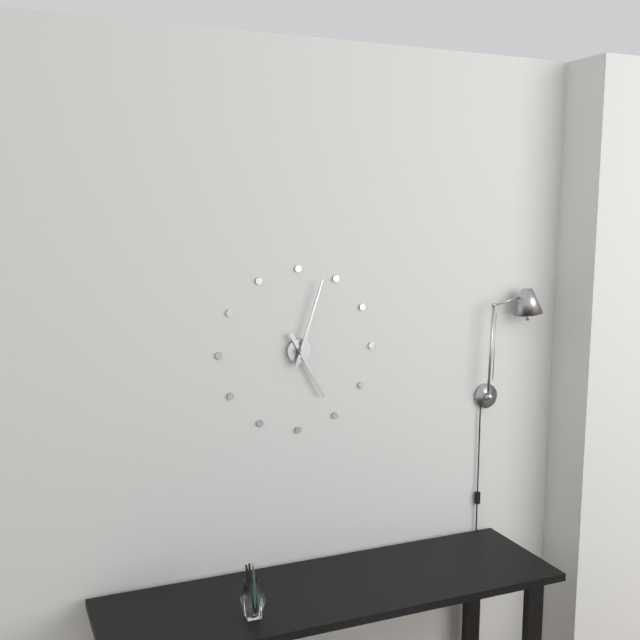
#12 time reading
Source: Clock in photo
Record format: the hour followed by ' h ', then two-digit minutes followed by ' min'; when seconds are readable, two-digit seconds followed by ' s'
5 h 03 min
